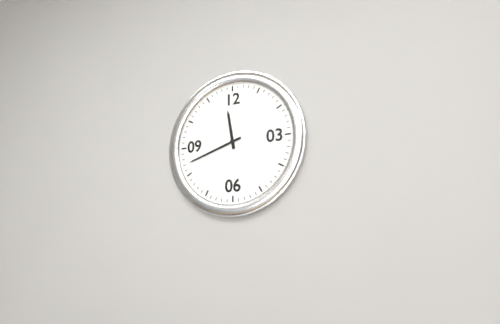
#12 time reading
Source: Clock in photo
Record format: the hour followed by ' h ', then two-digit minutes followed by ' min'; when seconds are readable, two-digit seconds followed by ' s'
11 h 42 min
